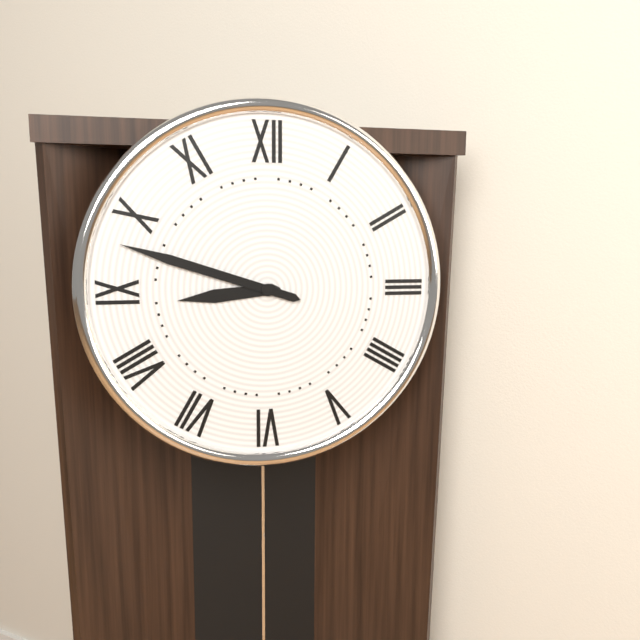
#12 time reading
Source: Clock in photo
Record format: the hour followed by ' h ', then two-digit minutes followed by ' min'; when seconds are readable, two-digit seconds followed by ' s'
8 h 48 min
